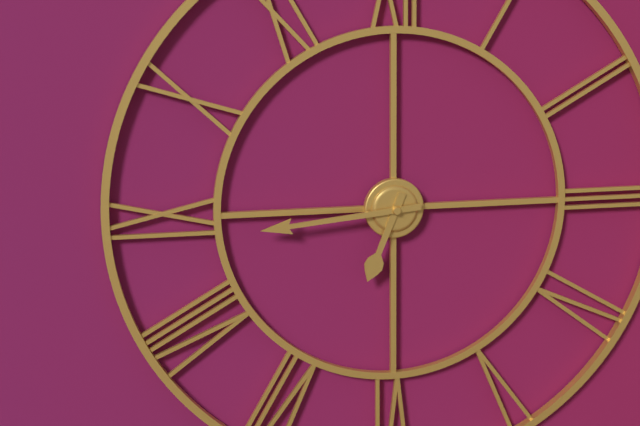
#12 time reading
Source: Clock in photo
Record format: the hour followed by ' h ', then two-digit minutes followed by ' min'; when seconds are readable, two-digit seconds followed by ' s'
6 h 44 min
